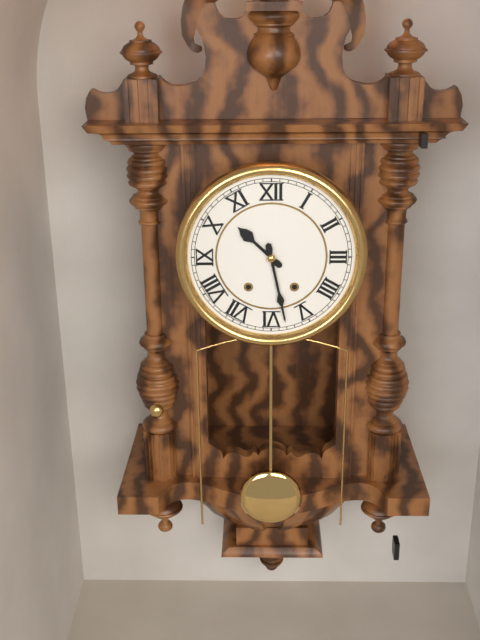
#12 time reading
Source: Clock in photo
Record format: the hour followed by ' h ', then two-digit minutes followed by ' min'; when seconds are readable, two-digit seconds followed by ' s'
10 h 28 min
